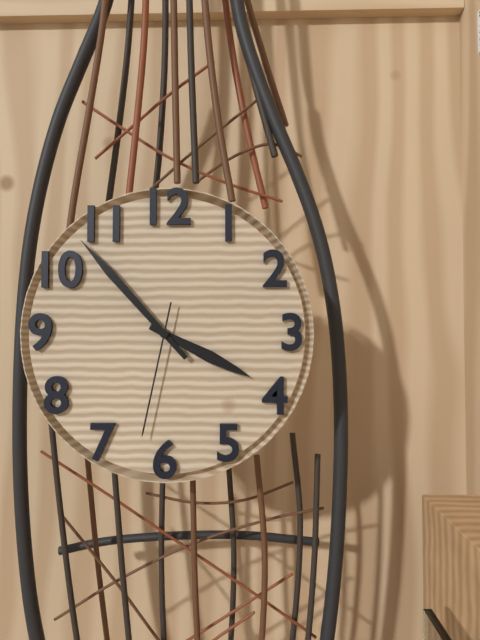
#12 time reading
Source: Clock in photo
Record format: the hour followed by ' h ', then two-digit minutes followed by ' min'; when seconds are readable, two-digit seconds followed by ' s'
3 h 53 min 32 s
